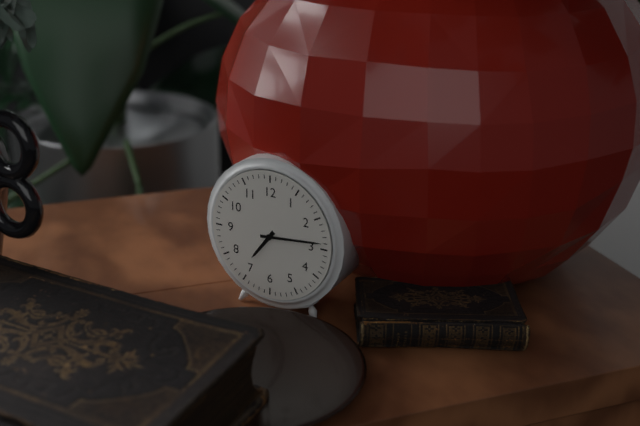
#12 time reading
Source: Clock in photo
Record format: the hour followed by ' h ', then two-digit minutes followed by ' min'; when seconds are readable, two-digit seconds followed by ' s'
7 h 14 min
